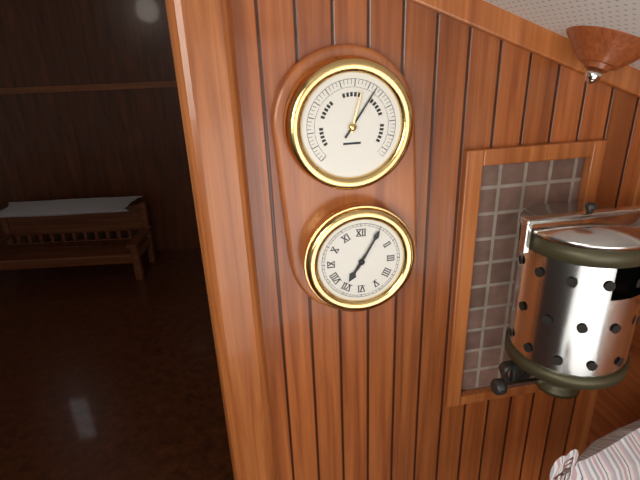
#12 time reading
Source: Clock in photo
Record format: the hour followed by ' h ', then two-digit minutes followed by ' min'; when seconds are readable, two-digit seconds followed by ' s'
7 h 05 min
